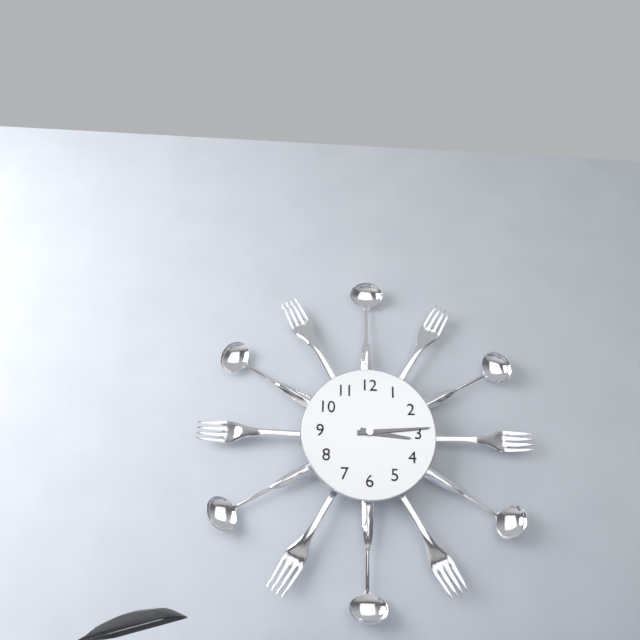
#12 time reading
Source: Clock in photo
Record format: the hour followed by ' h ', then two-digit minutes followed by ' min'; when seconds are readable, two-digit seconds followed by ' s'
3 h 14 min
